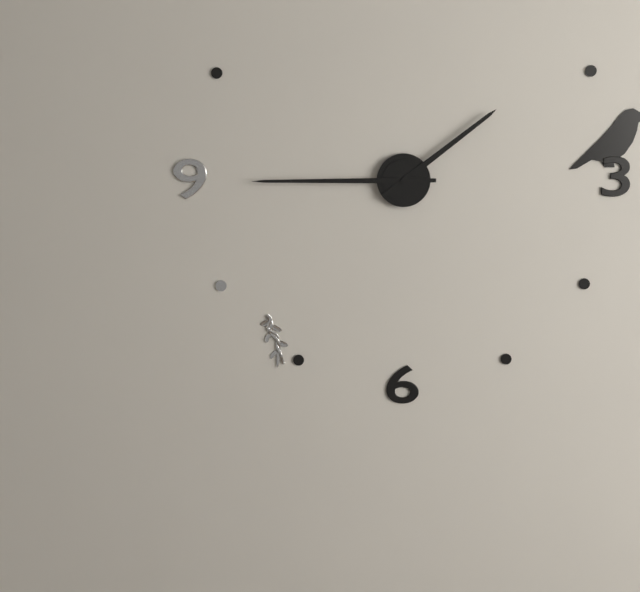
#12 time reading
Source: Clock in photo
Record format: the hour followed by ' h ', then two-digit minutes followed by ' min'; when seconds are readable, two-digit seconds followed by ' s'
1 h 45 min
